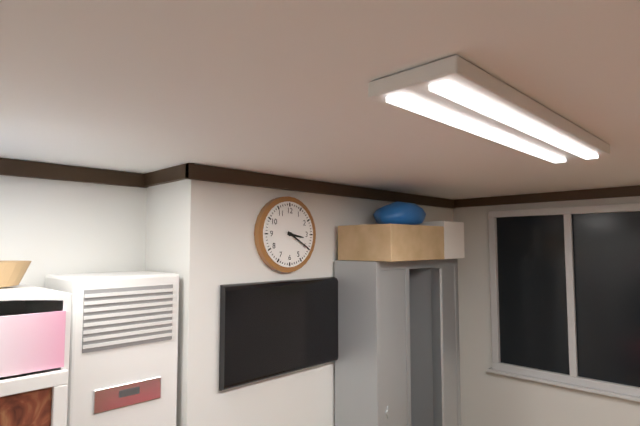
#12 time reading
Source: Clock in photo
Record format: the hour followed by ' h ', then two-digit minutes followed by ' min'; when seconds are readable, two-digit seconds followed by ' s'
3 h 20 min
